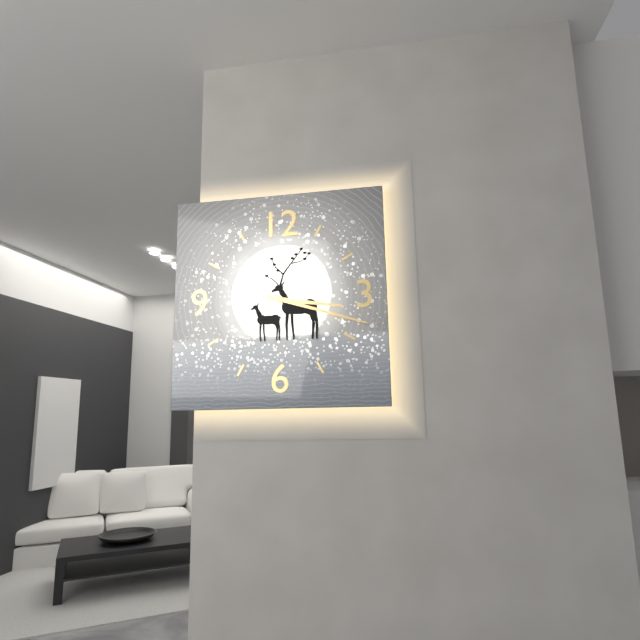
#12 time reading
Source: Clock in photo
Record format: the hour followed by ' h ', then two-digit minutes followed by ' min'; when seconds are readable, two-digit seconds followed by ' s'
3 h 18 min
